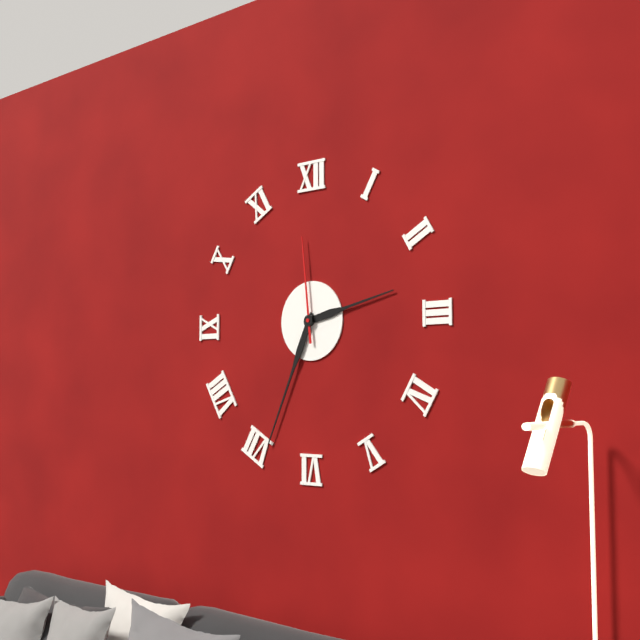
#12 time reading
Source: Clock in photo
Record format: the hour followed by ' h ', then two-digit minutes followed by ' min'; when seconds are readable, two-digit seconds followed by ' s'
2 h 34 min 59 s
